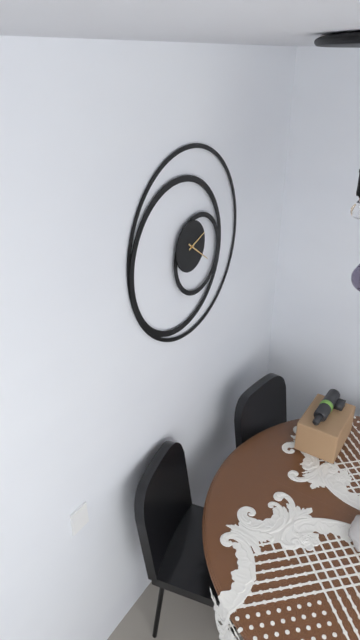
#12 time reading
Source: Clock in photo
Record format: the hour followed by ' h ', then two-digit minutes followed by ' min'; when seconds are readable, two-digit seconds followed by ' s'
2 h 21 min
